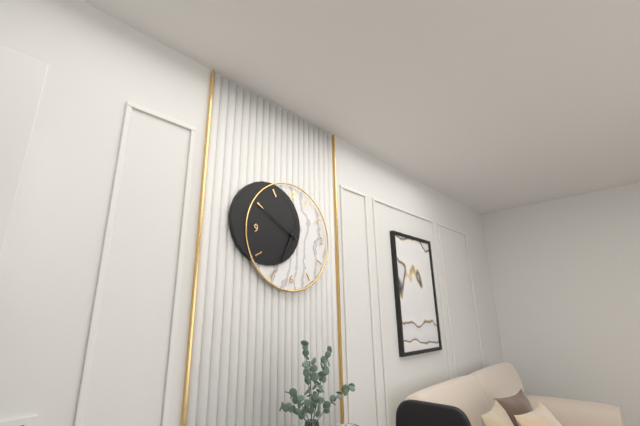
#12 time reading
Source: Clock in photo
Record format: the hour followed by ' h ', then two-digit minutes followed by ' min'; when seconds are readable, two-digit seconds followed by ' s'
6 h 50 min
